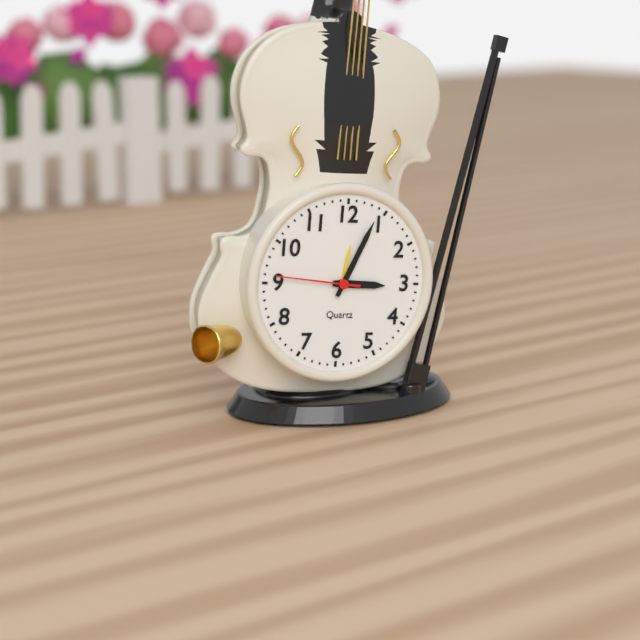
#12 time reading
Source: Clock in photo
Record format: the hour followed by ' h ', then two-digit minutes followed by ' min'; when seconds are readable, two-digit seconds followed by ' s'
3 h 04 min 46 s
